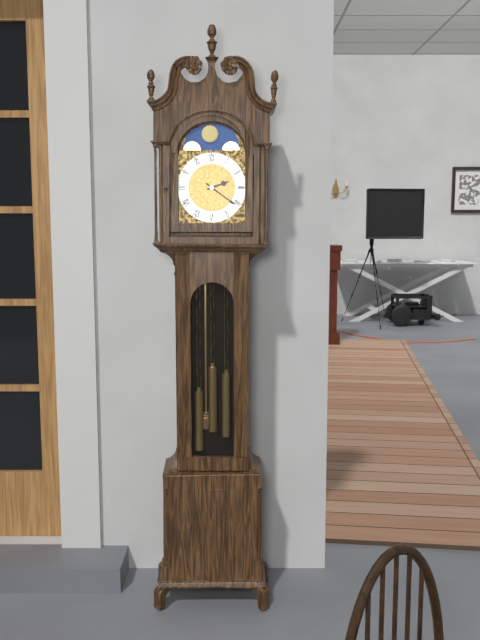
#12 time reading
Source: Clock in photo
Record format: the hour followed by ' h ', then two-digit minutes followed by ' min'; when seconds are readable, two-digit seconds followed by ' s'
2 h 21 min
